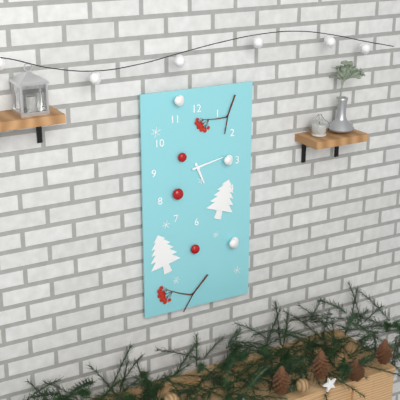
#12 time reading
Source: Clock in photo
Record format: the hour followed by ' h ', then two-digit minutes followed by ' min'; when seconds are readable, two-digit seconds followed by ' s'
5 h 13 min
